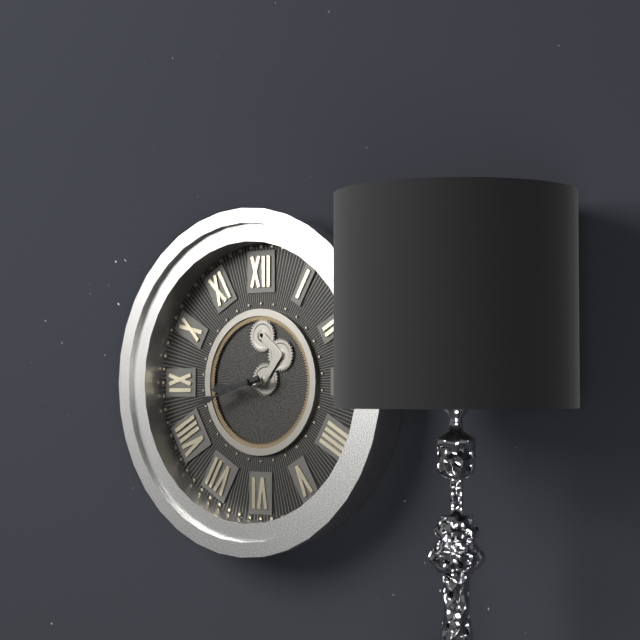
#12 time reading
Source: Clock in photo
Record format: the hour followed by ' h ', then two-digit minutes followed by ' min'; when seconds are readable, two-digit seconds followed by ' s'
8 h 42 min
